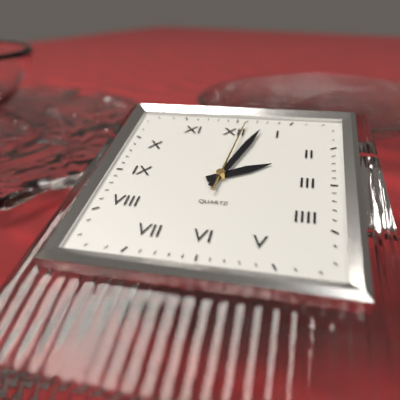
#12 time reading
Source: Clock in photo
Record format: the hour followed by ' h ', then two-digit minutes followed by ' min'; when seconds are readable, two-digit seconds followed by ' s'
2 h 03 min 01 s
